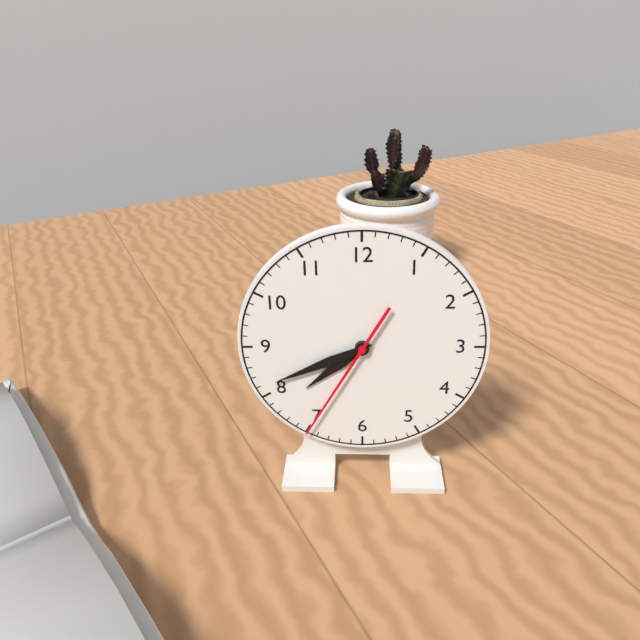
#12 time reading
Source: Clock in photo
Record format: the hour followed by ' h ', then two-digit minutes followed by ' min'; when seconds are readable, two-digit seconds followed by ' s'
7 h 41 min 35 s
